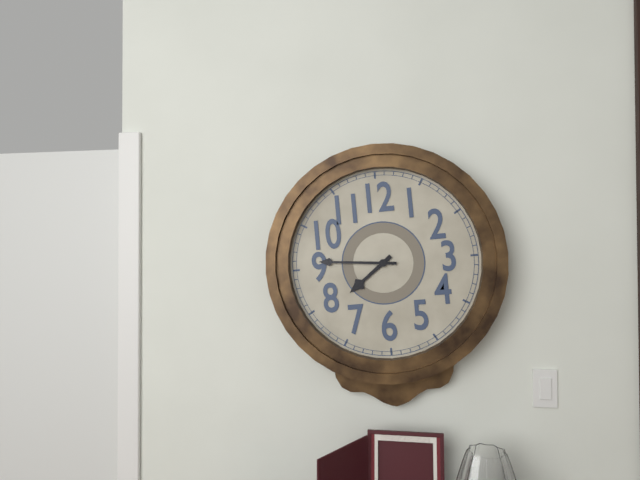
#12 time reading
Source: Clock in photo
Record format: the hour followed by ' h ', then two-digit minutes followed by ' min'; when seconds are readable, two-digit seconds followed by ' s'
7 h 46 min
